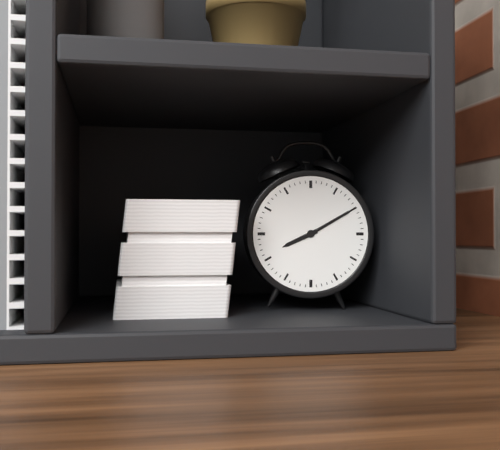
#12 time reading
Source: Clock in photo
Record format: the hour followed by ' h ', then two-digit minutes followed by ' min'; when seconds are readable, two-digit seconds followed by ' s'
8 h 10 min
